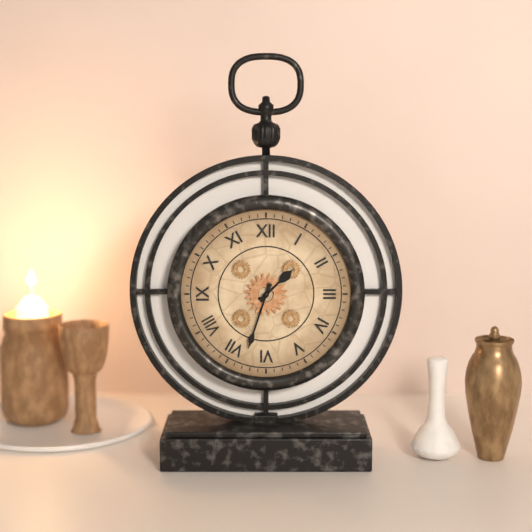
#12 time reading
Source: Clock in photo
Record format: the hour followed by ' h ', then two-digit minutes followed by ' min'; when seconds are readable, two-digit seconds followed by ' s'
1 h 33 min
